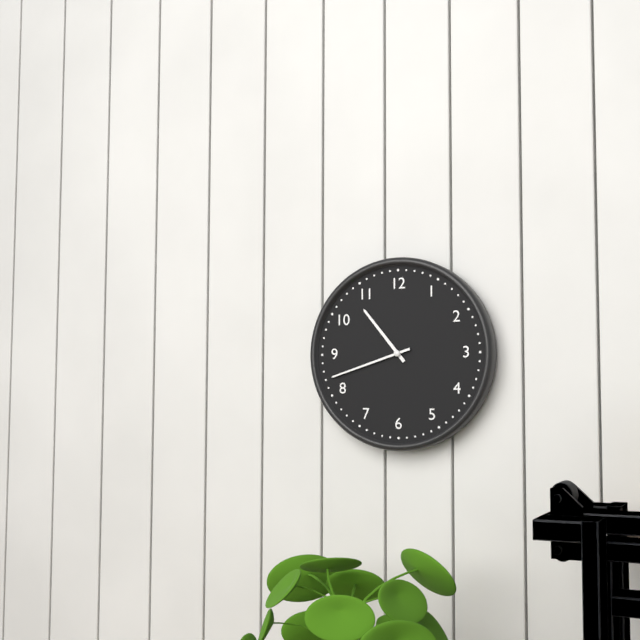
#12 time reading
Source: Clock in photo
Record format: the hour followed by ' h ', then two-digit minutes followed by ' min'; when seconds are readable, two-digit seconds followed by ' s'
10 h 42 min
